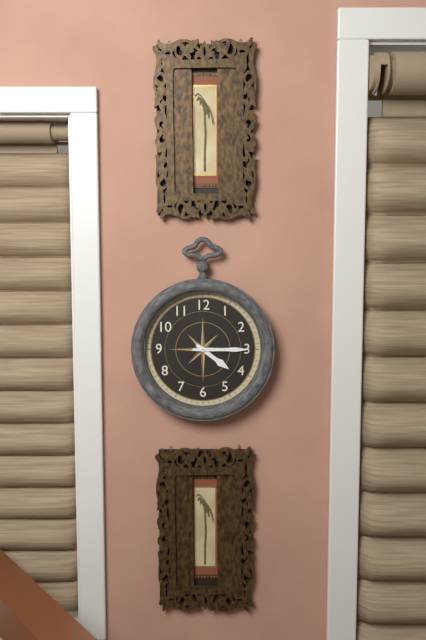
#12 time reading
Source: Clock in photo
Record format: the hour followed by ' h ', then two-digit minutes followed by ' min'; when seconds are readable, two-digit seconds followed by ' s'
4 h 15 min
